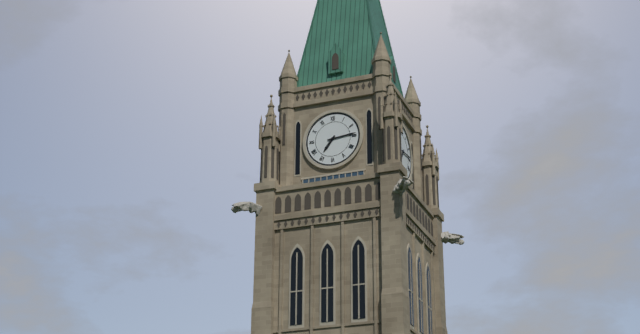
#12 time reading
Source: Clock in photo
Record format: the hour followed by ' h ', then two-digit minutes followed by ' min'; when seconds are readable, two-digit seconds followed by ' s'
7 h 14 min
